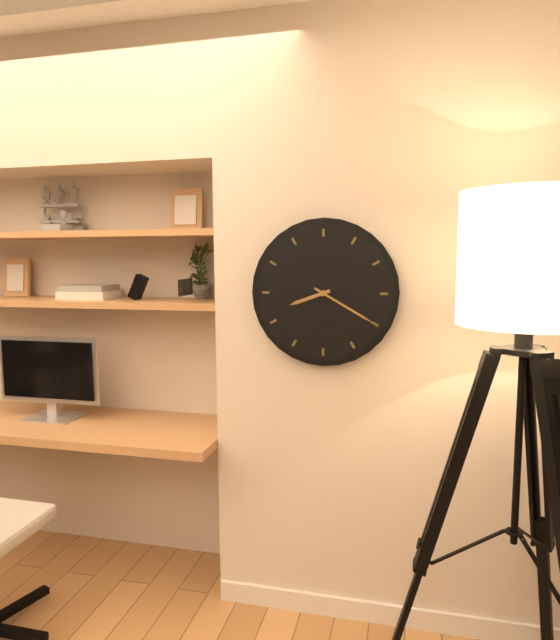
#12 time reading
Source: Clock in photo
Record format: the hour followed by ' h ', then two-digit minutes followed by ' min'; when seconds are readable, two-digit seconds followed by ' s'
8 h 20 min
